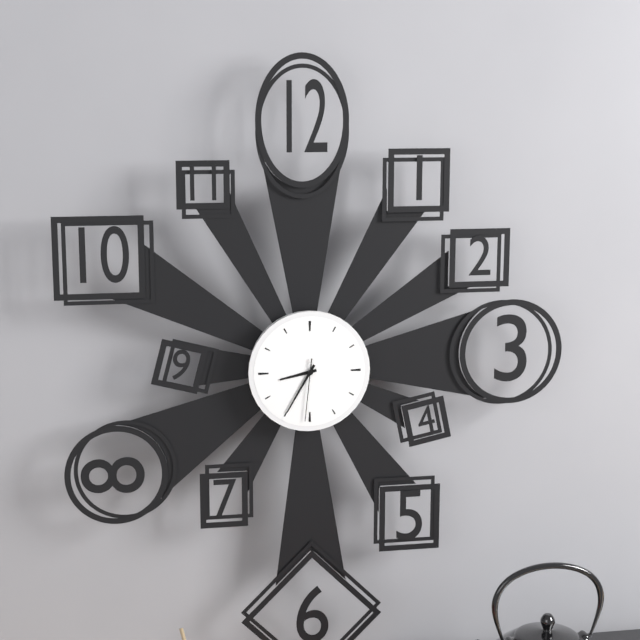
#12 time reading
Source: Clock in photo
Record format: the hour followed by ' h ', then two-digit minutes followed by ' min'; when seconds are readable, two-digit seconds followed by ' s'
8 h 35 min 31 s
